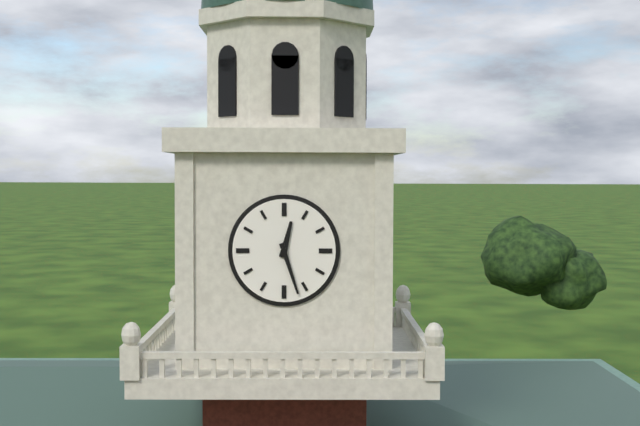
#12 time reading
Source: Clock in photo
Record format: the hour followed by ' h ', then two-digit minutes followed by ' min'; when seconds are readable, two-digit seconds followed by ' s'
12 h 27 min
